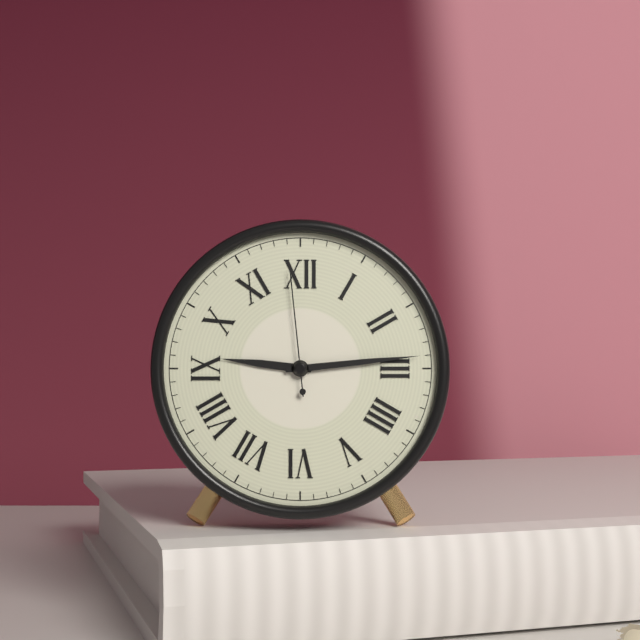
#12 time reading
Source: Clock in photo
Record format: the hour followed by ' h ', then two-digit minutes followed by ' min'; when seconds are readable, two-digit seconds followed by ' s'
9 h 14 min 59 s
